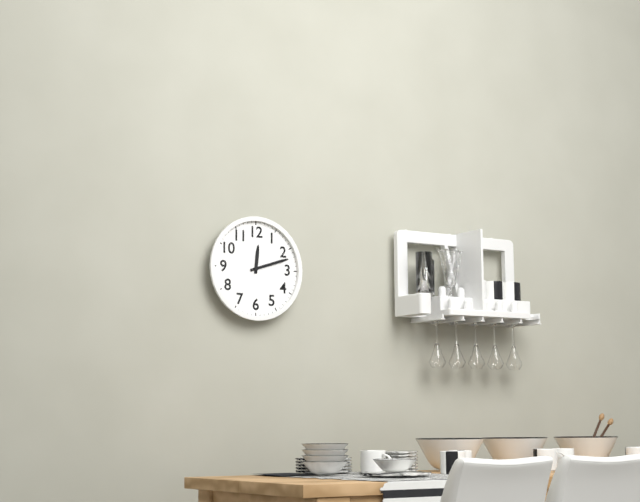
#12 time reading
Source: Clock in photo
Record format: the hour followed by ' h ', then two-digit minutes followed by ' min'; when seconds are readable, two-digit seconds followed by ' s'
12 h 12 min
